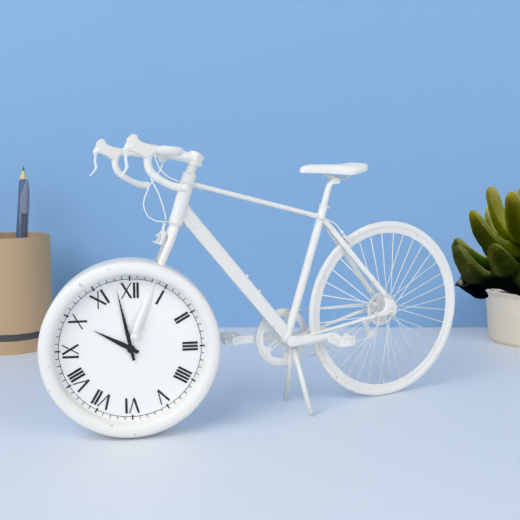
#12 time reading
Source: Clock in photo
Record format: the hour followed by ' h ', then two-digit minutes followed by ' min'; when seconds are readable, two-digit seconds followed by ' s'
9 h 58 min
